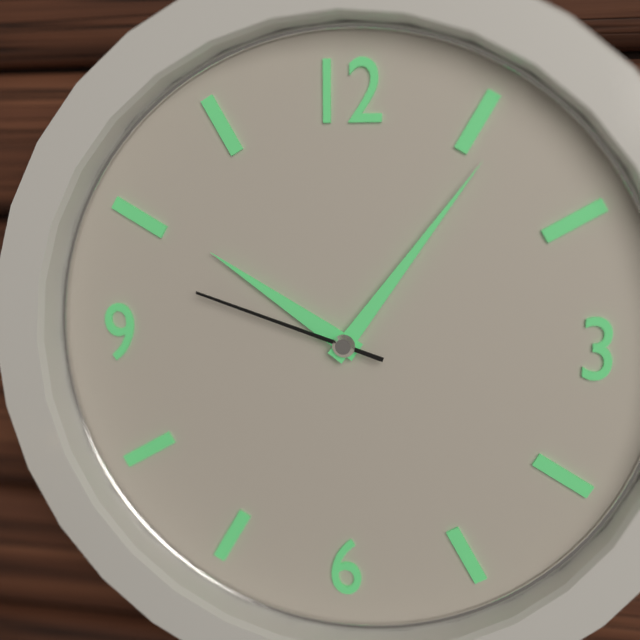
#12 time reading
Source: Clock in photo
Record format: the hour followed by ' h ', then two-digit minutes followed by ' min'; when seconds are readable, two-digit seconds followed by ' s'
10 h 06 min 48 s
